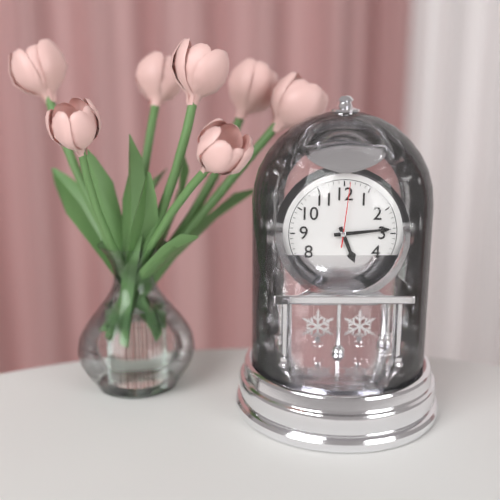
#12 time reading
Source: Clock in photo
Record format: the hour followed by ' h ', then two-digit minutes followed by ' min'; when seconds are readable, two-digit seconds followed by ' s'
5 h 14 min 01 s
